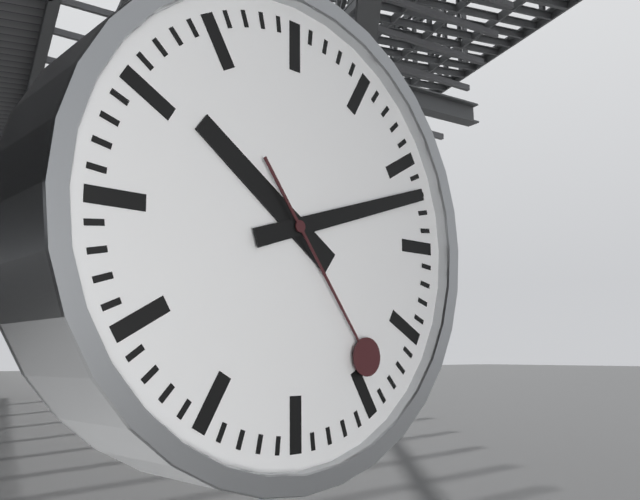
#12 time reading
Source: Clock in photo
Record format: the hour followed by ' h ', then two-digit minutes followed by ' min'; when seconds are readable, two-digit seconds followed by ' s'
10 h 12 min 24 s
